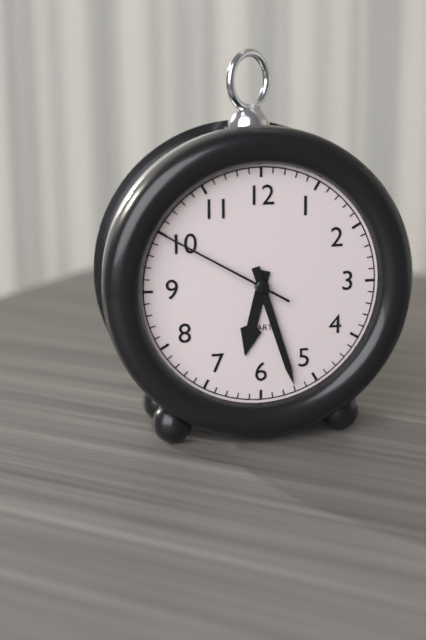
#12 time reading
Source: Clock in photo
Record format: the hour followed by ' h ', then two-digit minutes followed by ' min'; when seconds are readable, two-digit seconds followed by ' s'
6 h 27 min 50 s
